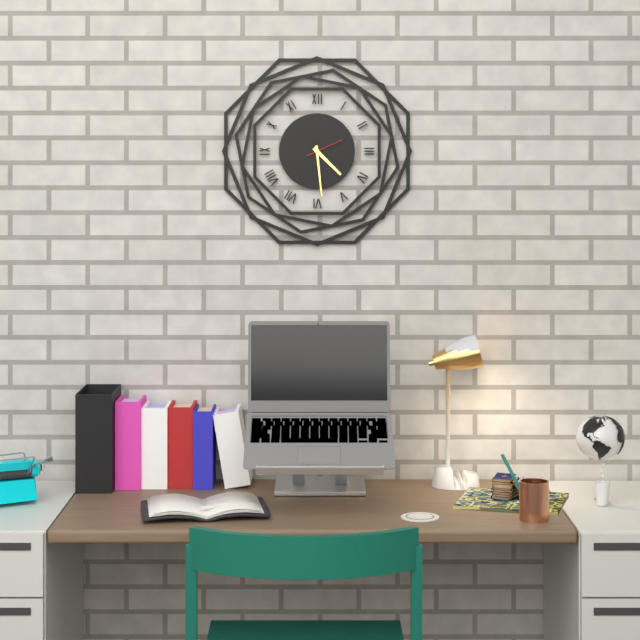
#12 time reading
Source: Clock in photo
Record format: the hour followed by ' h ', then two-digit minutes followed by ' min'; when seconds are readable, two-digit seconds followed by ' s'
4 h 29 min
